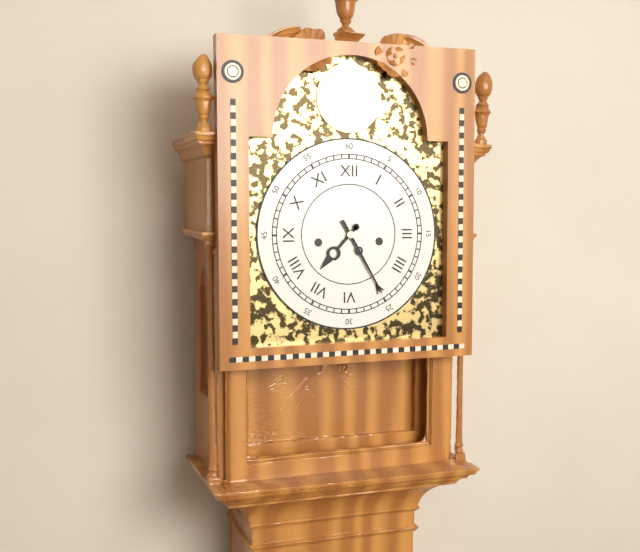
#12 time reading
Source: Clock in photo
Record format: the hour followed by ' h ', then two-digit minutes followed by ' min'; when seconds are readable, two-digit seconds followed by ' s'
7 h 25 min
